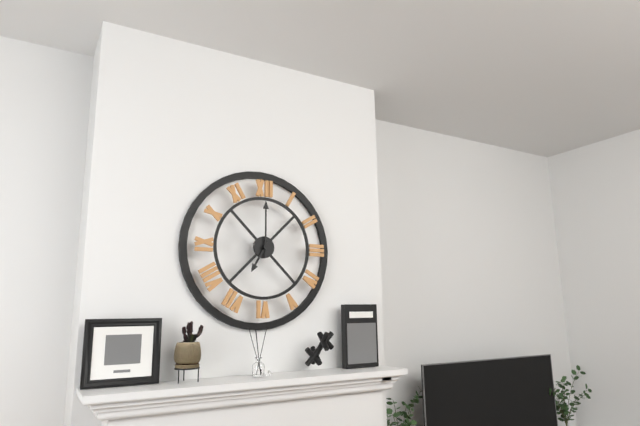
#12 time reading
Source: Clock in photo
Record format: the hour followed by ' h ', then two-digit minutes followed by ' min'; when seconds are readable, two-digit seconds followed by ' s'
7 h 00 min
